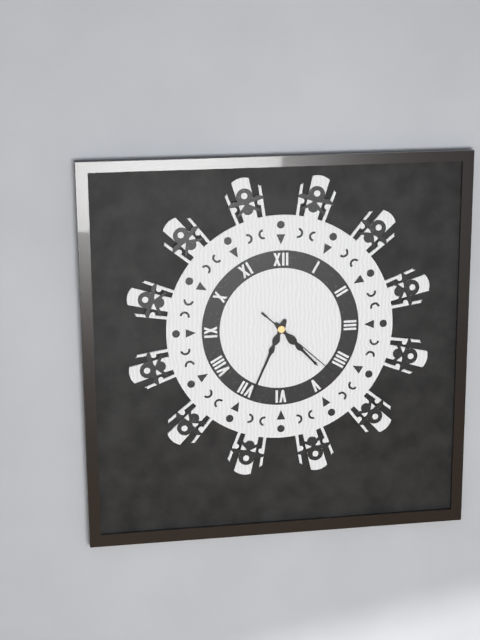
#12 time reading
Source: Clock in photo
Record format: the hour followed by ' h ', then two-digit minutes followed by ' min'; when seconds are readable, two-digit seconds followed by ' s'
4 h 34 min 22 s
